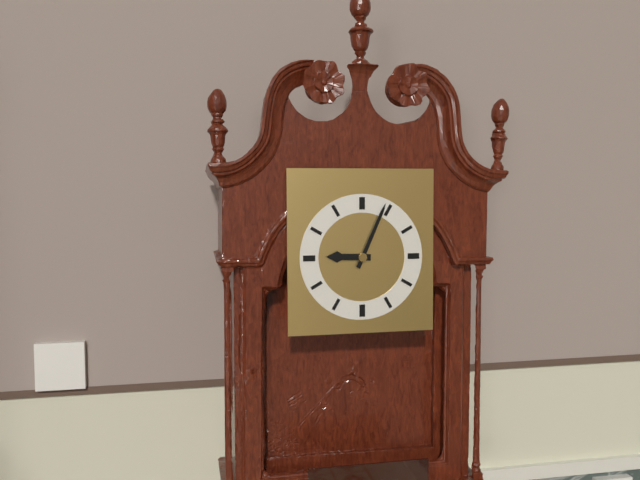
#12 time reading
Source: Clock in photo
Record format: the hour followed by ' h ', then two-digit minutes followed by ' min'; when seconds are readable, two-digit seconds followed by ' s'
9 h 04 min
